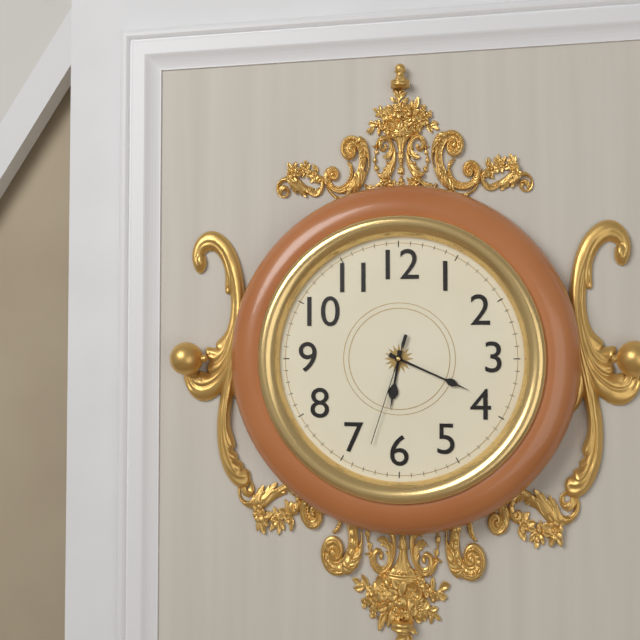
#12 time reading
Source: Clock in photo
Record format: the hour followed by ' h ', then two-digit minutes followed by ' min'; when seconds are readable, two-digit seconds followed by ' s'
6 h 19 min 33 s
